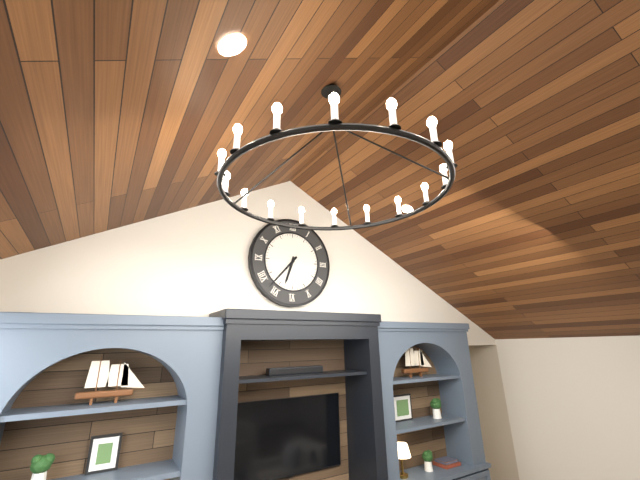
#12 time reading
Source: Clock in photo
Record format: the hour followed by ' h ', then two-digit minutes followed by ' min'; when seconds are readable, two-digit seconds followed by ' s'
6 h 37 min
